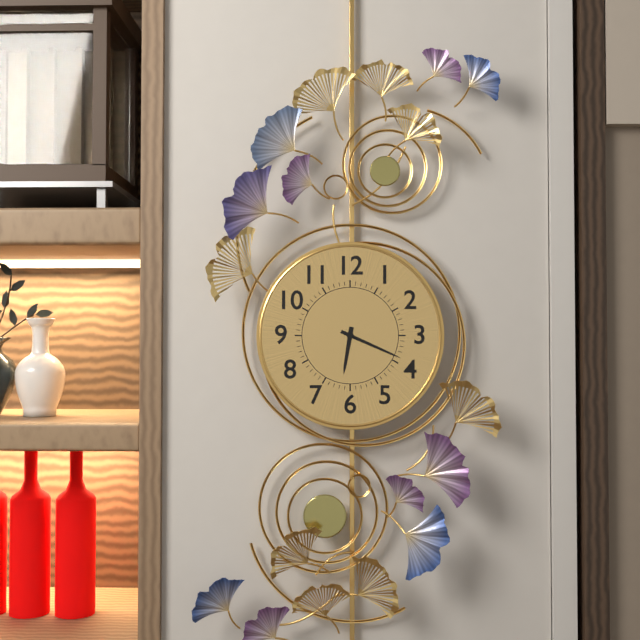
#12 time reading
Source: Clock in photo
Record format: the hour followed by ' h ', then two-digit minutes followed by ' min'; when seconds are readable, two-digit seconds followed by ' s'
6 h 19 min
